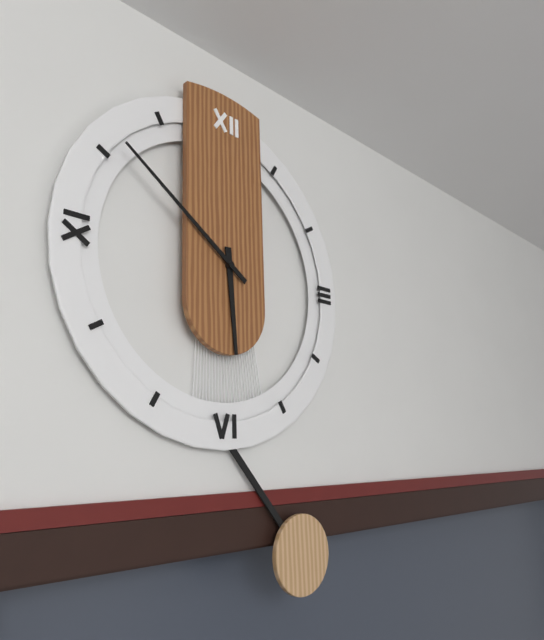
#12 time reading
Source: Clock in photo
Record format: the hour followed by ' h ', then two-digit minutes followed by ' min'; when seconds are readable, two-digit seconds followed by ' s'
5 h 51 min
